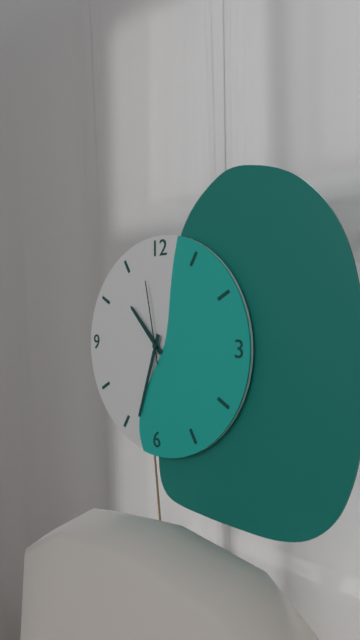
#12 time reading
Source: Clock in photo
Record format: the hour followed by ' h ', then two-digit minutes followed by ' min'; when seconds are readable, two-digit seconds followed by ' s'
10 h 33 min 58 s
